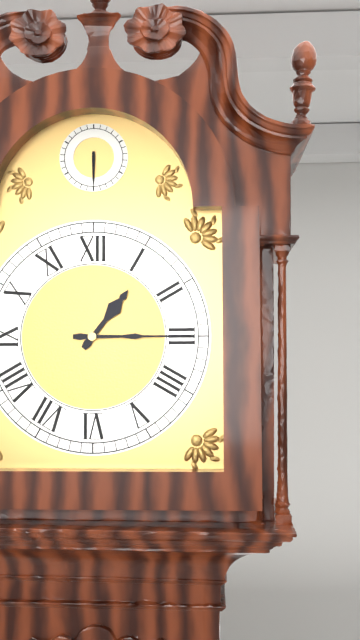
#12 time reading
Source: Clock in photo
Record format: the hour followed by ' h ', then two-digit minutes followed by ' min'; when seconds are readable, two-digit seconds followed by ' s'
1 h 15 min
